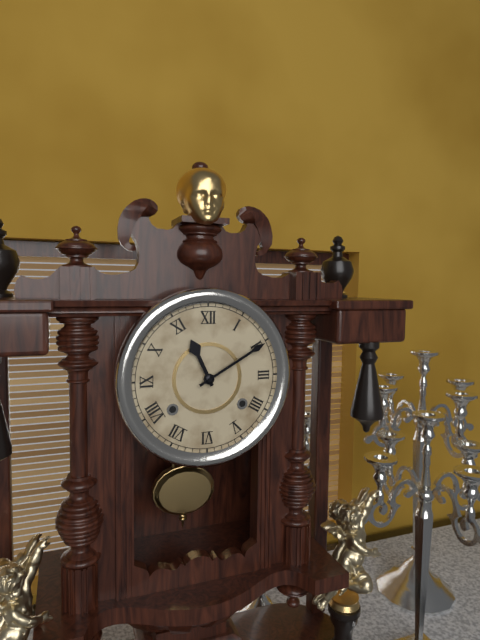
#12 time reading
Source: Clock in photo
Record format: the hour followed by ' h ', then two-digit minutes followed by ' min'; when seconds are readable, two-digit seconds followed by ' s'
11 h 10 min
